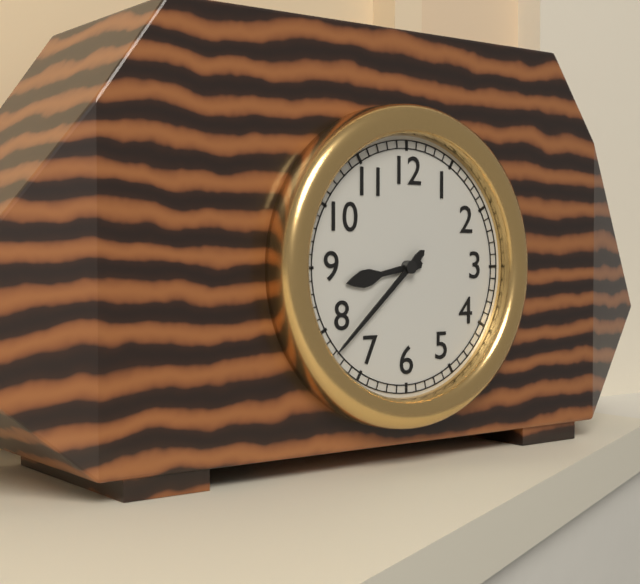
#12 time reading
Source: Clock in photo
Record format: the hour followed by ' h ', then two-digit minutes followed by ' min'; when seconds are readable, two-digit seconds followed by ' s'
8 h 38 min
